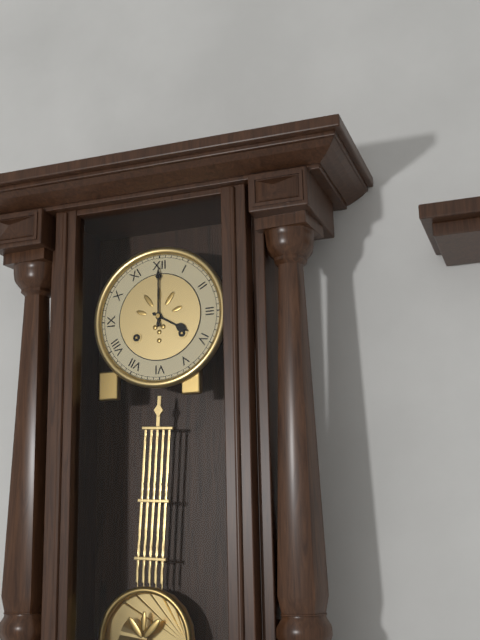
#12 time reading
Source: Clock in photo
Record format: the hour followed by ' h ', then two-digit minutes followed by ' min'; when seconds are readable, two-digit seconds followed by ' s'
4 h 00 min
